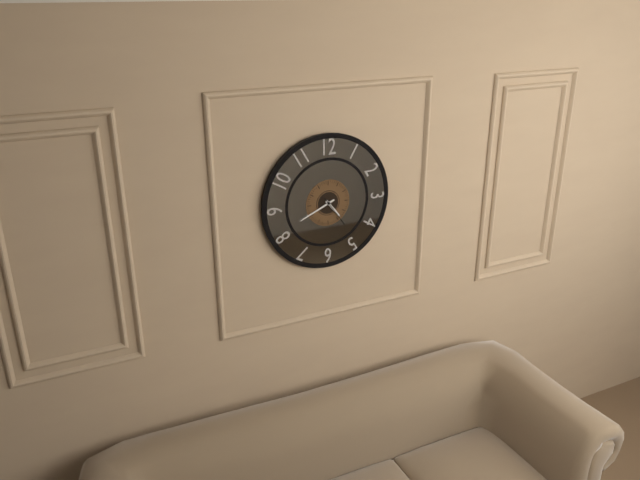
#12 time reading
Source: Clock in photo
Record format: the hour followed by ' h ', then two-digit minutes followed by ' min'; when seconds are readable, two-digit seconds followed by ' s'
4 h 41 min
